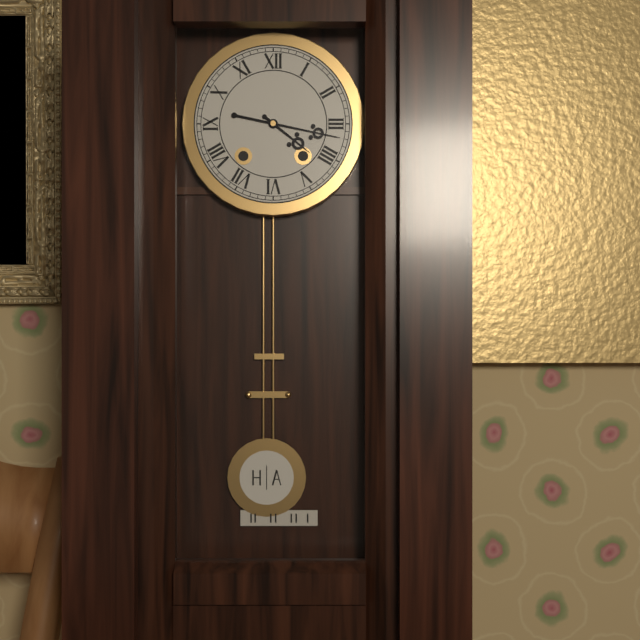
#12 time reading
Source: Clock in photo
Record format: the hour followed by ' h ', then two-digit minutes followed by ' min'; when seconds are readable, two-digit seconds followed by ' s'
4 h 17 min
